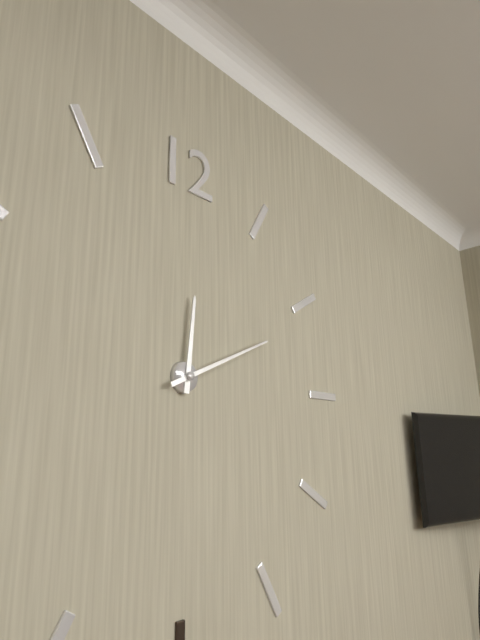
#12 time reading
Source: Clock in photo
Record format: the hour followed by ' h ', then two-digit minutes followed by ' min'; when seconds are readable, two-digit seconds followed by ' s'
12 h 11 min
